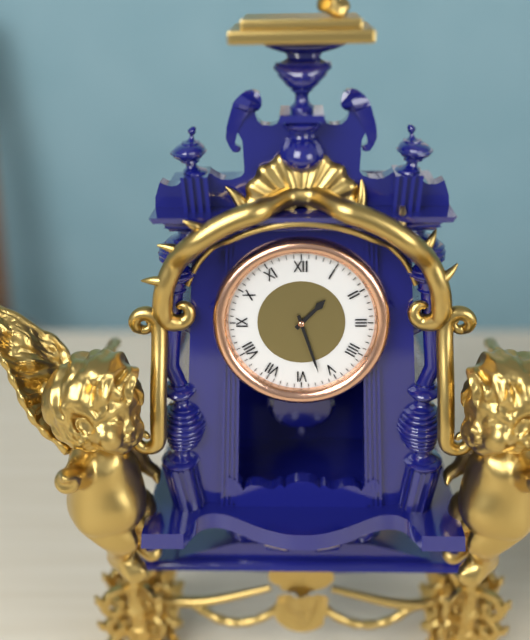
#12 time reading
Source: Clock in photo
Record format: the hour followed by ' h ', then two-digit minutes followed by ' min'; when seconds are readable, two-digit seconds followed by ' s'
1 h 27 min
